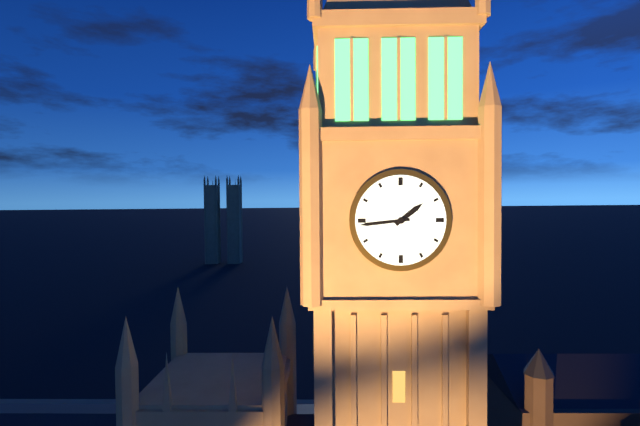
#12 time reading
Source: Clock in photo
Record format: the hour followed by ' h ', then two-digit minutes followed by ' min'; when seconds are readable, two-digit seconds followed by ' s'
1 h 44 min
